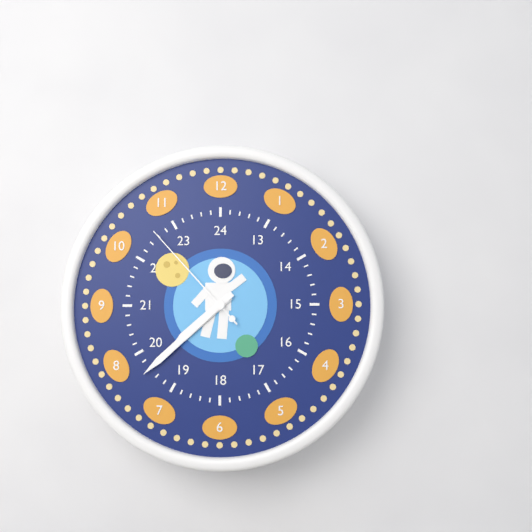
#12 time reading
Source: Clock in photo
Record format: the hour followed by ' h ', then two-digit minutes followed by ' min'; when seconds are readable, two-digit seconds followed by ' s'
7 h 38 min 53 s
